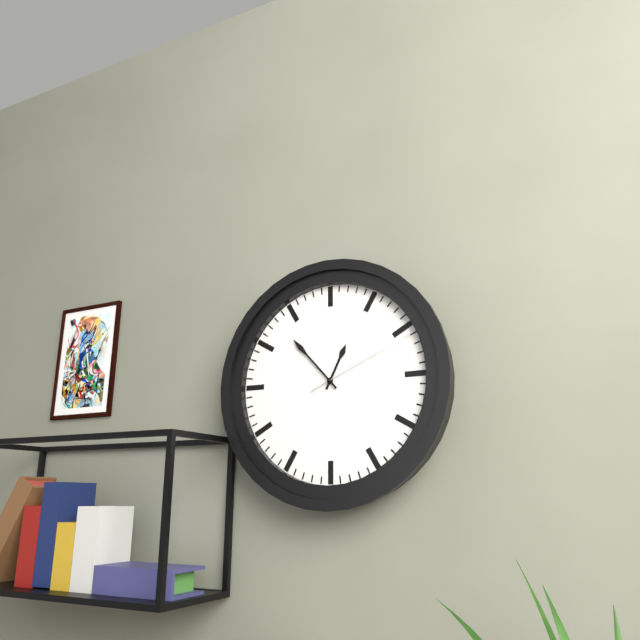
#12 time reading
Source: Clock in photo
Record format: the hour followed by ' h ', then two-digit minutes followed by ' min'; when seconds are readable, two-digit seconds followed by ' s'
12 h 53 min 11 s
